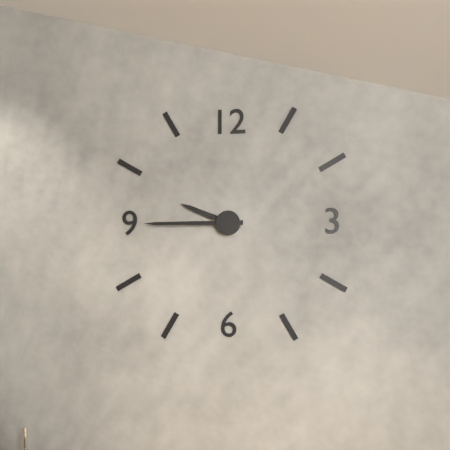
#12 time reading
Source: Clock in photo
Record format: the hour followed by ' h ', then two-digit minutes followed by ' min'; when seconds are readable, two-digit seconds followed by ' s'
9 h 45 min
